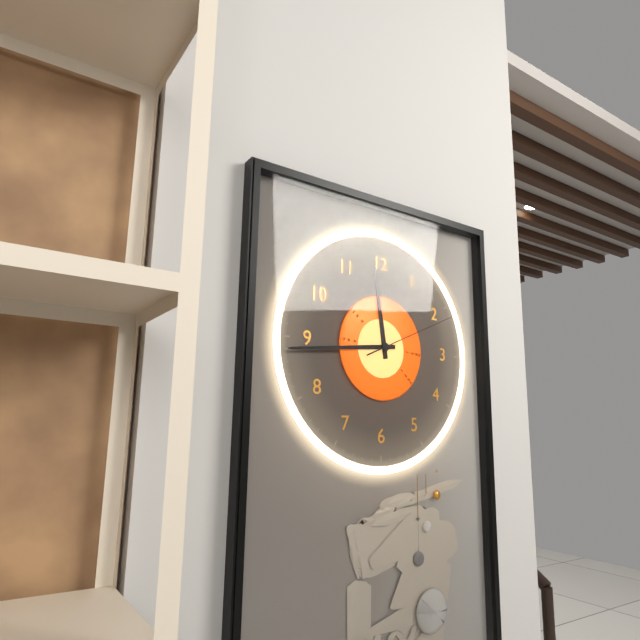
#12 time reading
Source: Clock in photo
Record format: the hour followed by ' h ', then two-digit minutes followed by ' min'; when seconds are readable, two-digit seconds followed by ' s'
11 h 44 min 11 s
